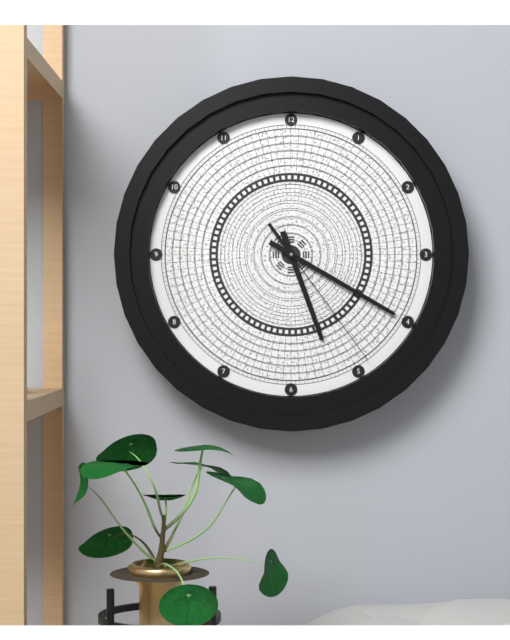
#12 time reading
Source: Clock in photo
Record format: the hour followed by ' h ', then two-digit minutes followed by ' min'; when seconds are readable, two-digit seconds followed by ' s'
5 h 20 min 24 s
